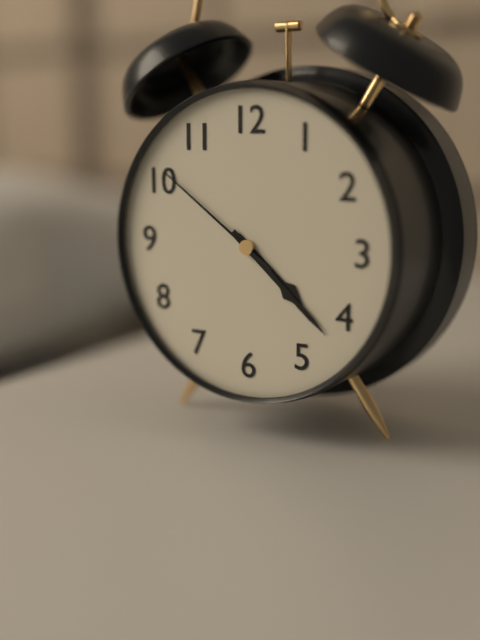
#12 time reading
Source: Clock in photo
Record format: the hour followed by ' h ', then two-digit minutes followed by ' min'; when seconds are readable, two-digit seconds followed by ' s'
4 h 22 min 51 s
